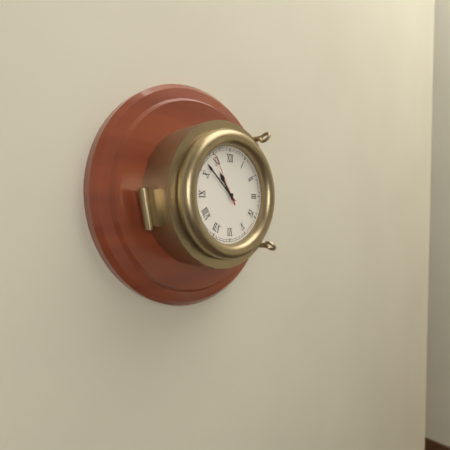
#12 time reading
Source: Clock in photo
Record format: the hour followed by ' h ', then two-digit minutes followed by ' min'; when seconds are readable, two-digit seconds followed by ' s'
10 h 52 min 55 s
